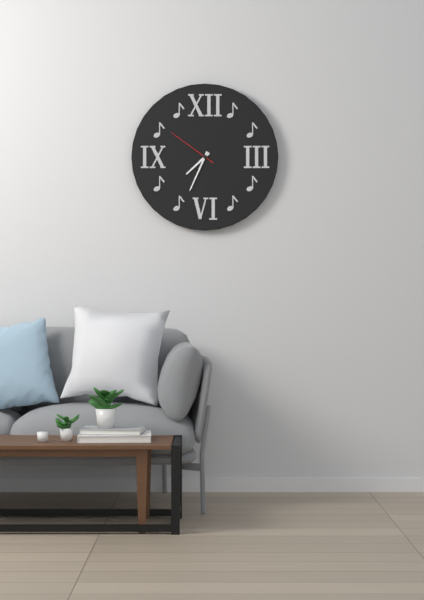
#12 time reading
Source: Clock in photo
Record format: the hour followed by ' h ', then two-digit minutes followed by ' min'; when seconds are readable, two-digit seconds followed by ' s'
7 h 34 min 51 s
